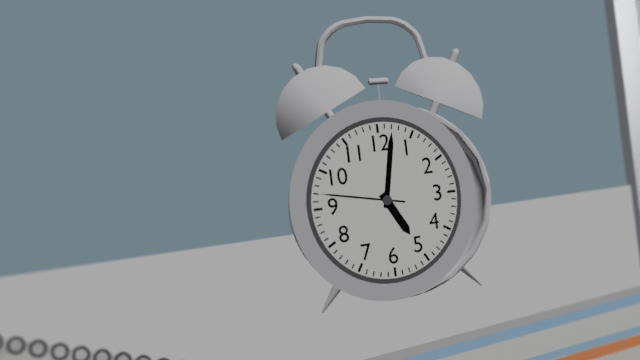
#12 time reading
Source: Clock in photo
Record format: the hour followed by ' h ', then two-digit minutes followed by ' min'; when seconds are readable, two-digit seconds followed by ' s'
5 h 02 min 47 s
